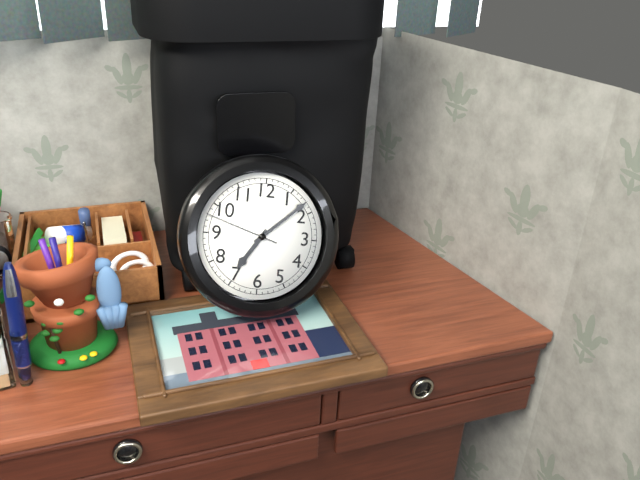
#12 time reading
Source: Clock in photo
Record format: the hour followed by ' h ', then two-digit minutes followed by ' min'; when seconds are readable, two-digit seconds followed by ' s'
7 h 08 min 48 s
